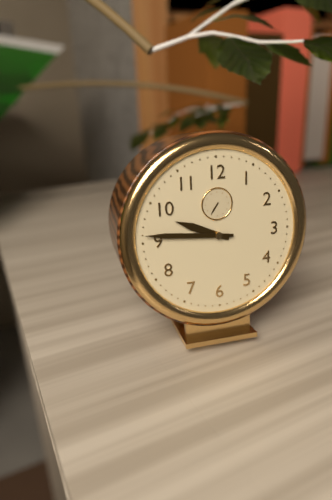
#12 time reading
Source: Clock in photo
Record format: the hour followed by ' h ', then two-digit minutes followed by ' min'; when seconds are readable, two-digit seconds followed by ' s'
9 h 46 min
